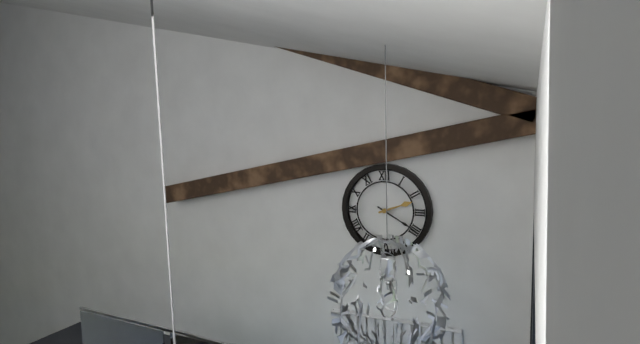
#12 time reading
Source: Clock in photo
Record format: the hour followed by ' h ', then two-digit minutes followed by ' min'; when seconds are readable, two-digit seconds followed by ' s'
2 h 20 min
